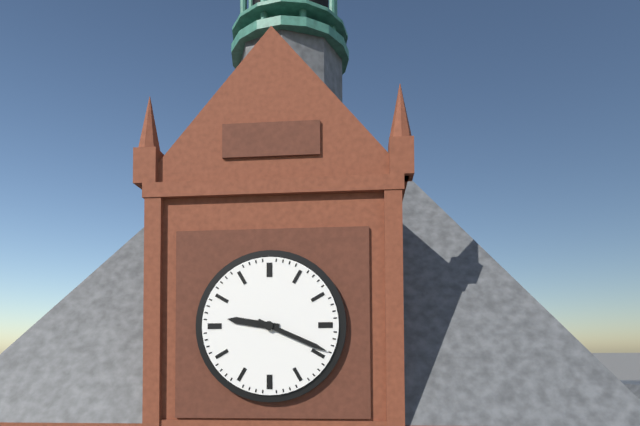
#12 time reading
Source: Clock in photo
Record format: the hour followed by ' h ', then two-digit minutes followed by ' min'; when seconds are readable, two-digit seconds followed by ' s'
9 h 19 min
